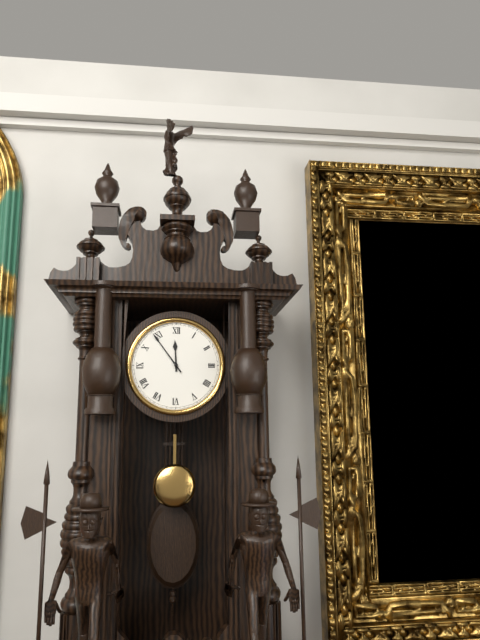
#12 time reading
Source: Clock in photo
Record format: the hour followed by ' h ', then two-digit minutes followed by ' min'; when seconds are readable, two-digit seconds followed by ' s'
11 h 54 min
